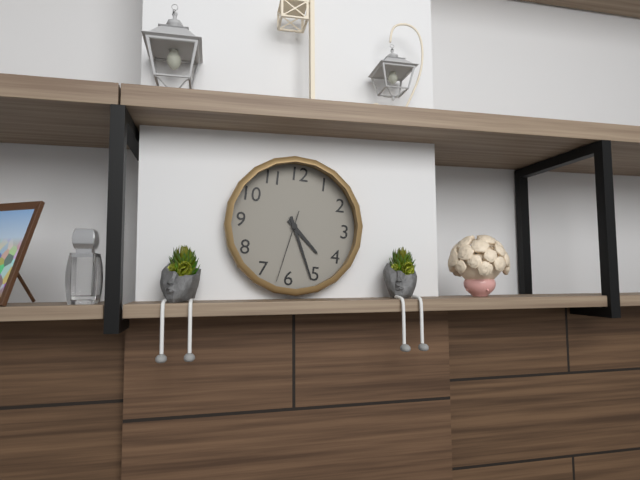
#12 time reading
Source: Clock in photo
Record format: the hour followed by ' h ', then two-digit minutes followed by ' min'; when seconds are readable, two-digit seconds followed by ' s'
4 h 26 min 32 s
